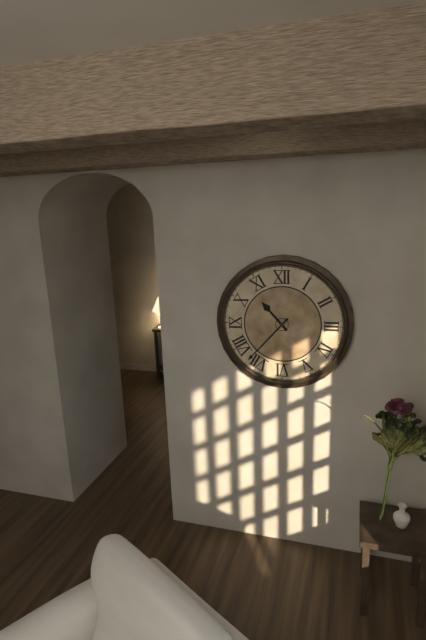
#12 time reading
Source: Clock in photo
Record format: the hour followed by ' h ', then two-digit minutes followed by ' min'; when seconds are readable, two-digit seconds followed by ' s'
10 h 37 min
